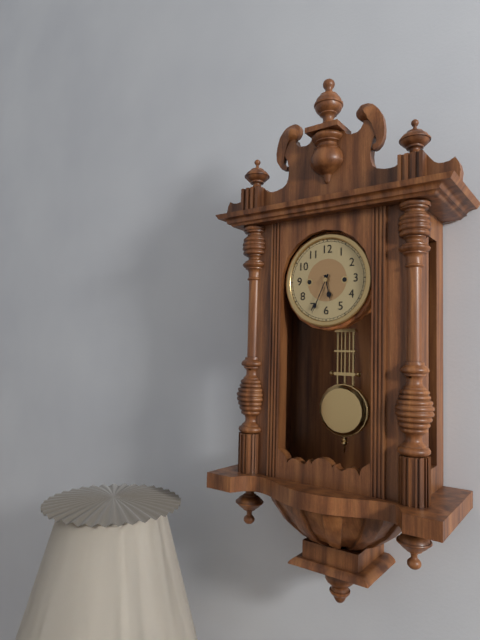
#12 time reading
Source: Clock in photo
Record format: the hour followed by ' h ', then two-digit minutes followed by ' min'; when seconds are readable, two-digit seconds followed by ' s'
5 h 34 min
